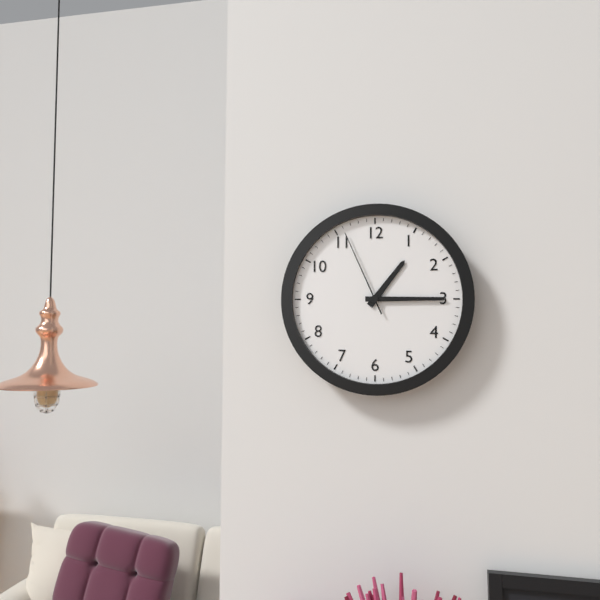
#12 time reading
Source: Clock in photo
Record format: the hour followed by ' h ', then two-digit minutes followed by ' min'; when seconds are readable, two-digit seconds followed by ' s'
1 h 15 min 56 s
